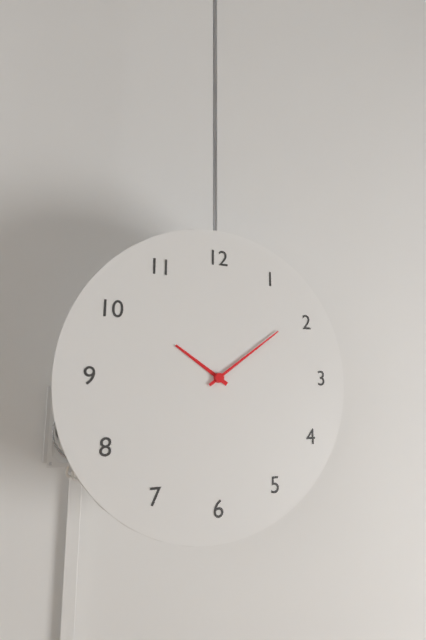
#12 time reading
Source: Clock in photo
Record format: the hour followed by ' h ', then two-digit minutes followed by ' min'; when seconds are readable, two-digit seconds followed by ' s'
10 h 09 min
